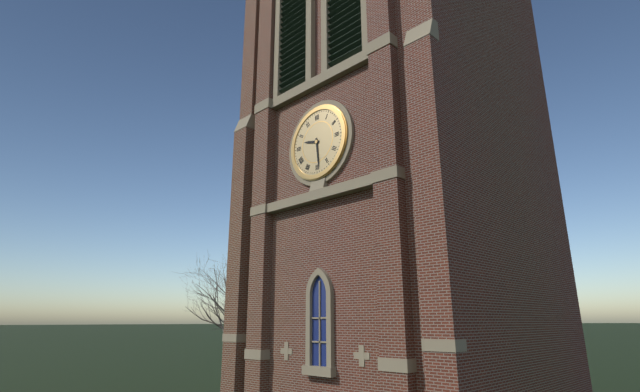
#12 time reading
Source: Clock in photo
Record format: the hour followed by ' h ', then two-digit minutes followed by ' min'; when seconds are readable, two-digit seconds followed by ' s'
9 h 29 min
